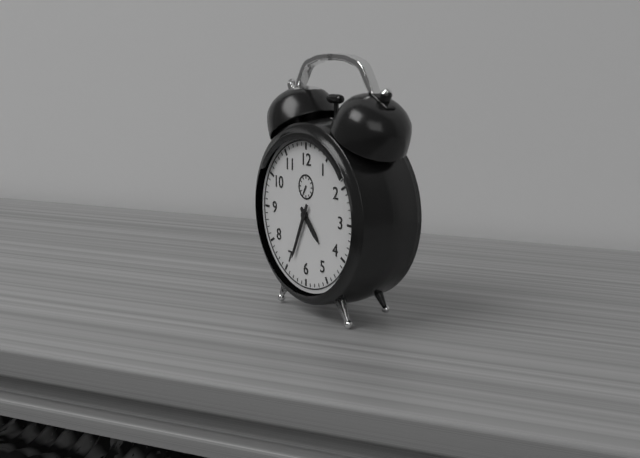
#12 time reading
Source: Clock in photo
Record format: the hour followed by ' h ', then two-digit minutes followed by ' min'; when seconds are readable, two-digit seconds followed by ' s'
4 h 34 min
